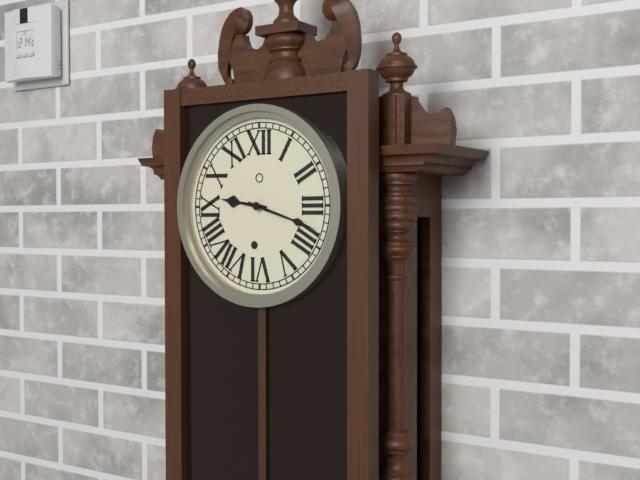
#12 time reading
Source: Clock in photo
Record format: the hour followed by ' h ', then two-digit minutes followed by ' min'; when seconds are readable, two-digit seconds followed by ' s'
9 h 18 min
